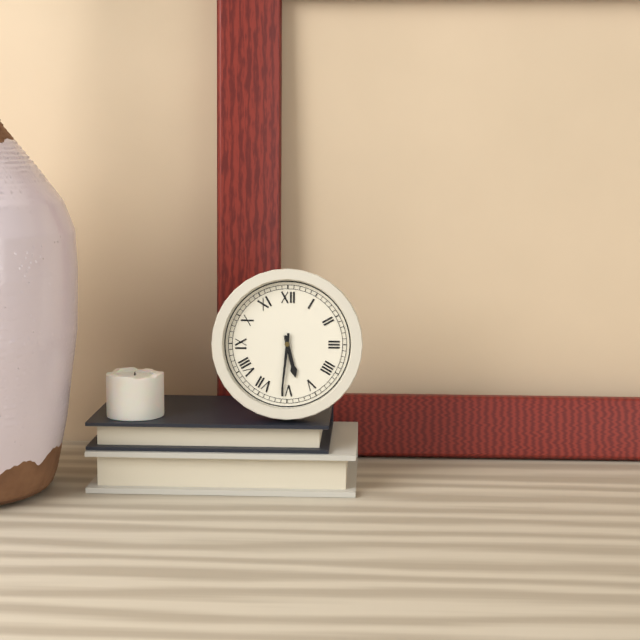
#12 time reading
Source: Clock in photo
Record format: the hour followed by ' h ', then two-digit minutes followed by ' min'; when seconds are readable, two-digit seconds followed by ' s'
5 h 31 min
